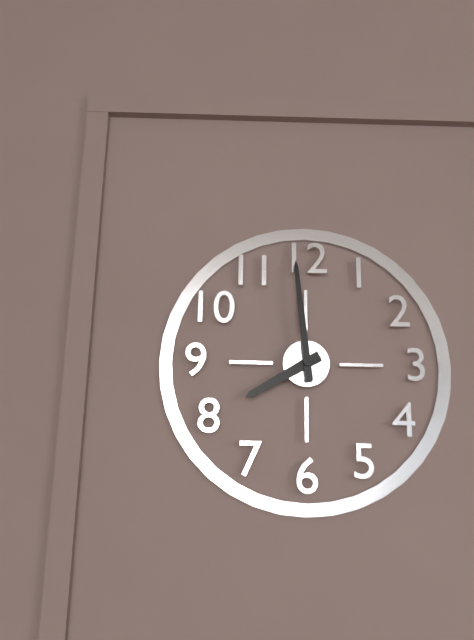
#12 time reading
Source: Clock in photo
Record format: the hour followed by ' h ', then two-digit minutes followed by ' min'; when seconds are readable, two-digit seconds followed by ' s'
7 h 59 min
